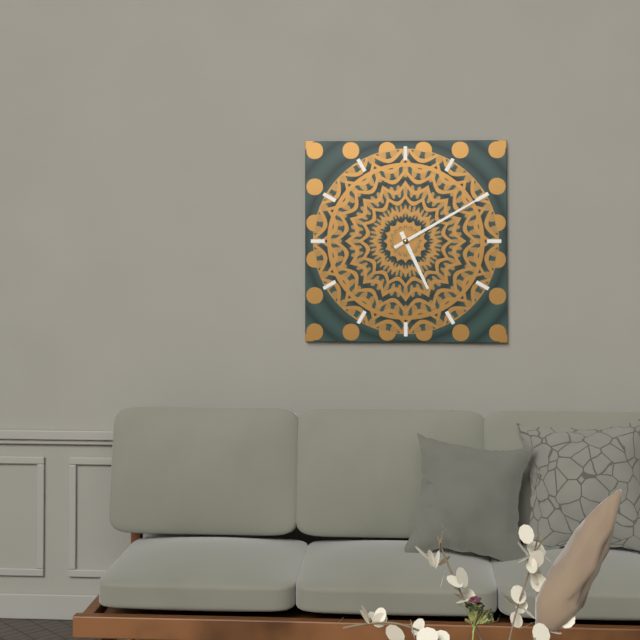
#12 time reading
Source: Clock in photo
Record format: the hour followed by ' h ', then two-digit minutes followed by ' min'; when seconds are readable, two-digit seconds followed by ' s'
5 h 10 min
